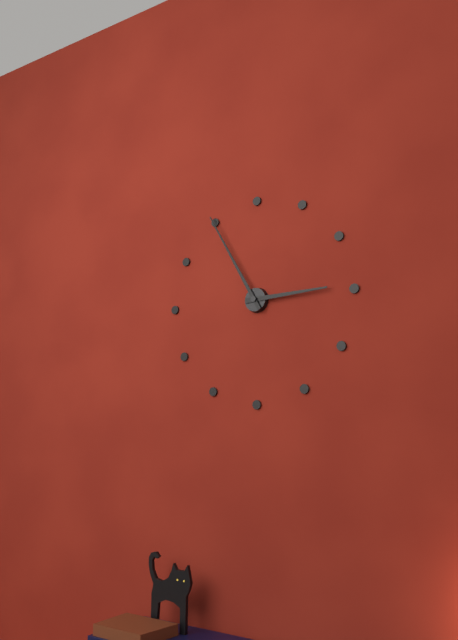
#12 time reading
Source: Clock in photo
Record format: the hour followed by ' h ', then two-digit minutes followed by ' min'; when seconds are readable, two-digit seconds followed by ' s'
2 h 55 min
